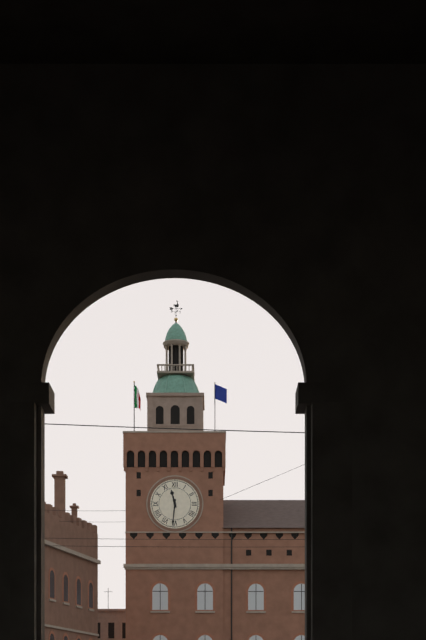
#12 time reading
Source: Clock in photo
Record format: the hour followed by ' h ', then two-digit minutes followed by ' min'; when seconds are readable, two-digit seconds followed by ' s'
11 h 31 min
